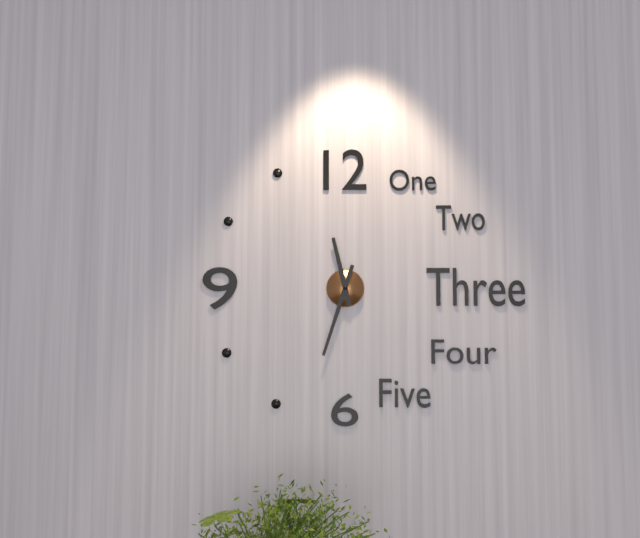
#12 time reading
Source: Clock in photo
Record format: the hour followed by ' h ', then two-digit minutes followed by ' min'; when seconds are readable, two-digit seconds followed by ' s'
11 h 33 min
